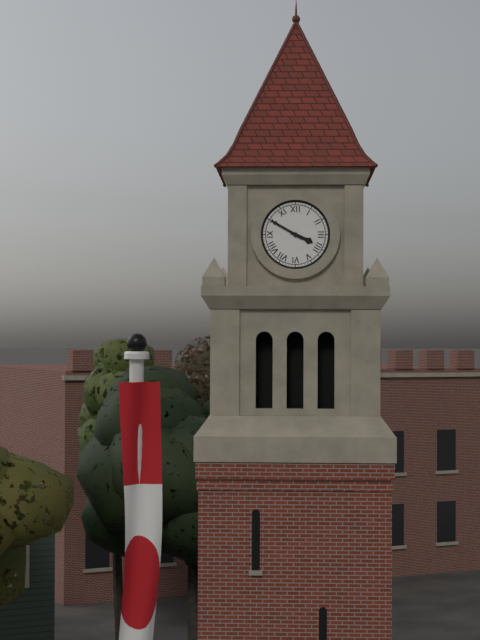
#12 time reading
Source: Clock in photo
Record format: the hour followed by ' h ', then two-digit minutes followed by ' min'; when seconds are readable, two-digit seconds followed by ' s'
3 h 50 min
